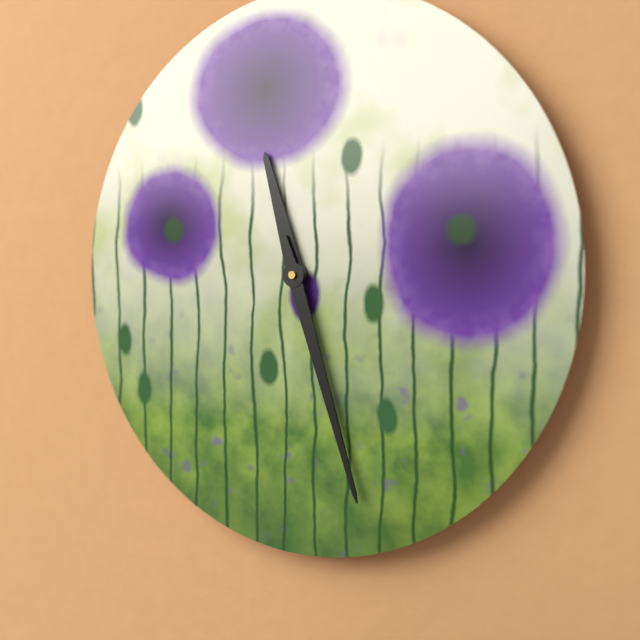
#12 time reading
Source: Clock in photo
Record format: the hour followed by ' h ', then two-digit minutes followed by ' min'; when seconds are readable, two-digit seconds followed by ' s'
11 h 27 min
